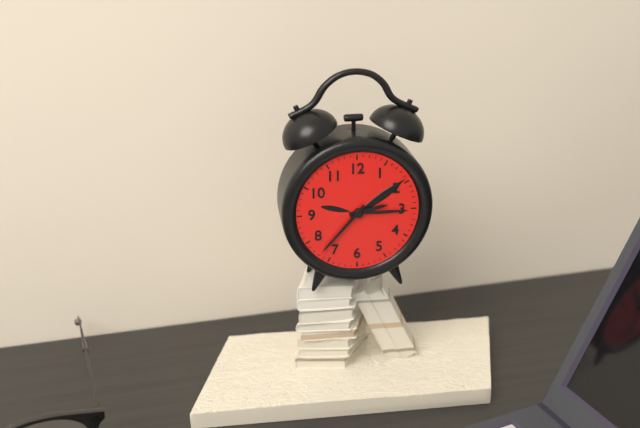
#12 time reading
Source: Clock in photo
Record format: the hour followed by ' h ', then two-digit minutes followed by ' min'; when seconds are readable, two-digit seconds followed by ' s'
2 h 37 min
